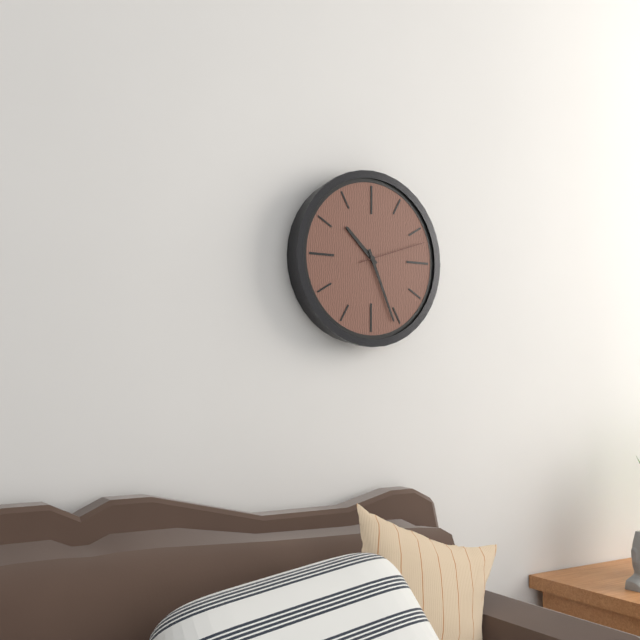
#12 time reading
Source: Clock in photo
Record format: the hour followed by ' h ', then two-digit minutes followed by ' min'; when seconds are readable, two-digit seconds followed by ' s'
10 h 26 min 12 s
